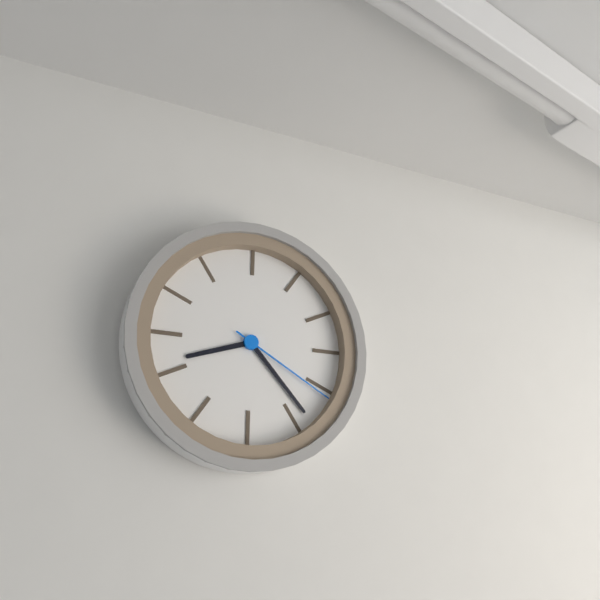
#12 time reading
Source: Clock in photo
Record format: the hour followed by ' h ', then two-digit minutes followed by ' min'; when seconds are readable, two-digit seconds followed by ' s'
8 h 23 min 20 s
